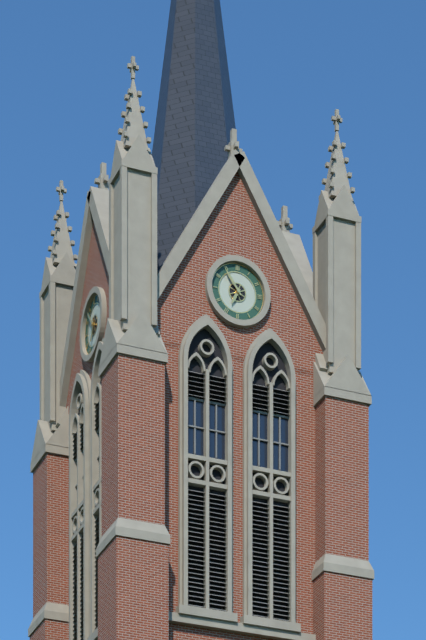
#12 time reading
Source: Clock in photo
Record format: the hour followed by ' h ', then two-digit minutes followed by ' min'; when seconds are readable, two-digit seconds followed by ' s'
6 h 54 min
